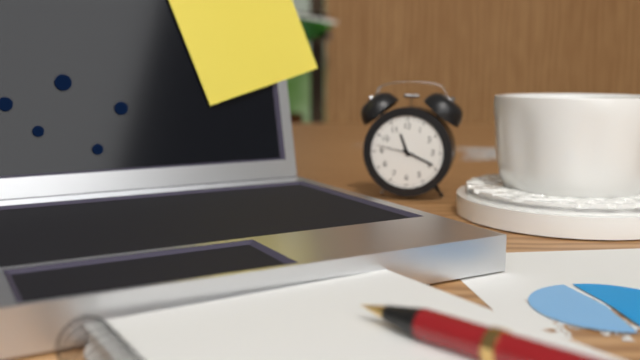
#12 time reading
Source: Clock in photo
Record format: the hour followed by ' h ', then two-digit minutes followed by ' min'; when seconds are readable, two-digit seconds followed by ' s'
11 h 19 min
